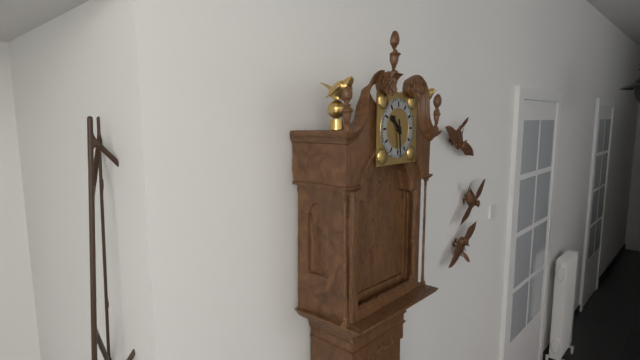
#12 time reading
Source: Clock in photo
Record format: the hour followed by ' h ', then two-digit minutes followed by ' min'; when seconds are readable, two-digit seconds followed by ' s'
10 h 29 min
